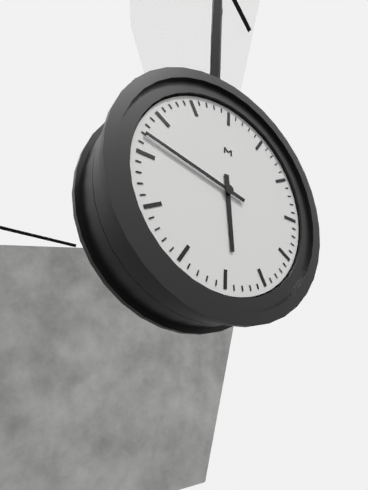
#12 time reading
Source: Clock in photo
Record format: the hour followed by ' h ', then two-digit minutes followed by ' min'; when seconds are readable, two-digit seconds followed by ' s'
5 h 47 min
